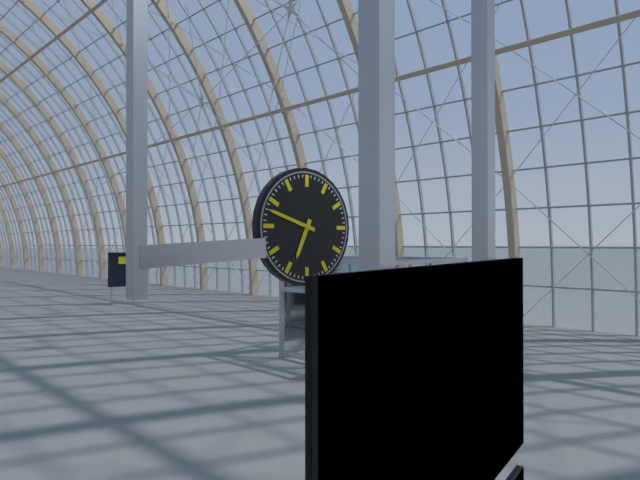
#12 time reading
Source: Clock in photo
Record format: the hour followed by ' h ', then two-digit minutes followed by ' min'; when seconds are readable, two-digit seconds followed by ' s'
6 h 48 min
